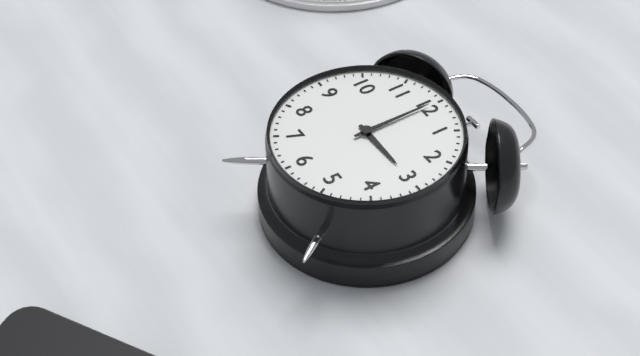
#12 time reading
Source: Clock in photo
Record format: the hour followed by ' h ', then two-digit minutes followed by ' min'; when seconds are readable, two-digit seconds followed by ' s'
3 h 00 min
